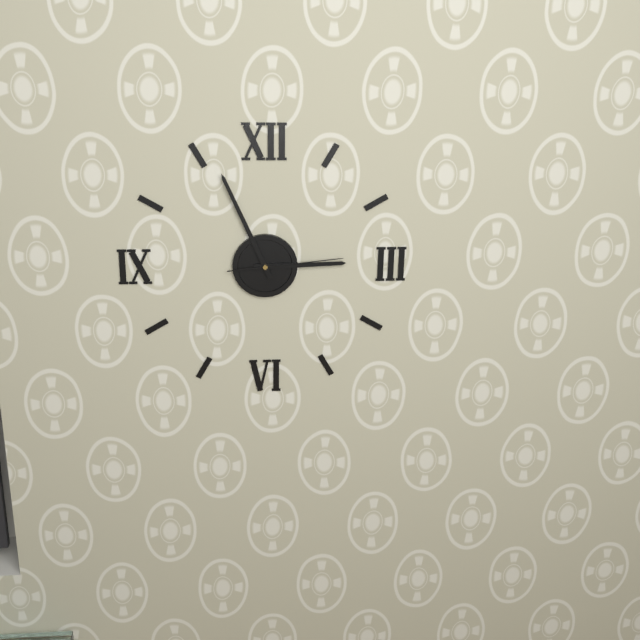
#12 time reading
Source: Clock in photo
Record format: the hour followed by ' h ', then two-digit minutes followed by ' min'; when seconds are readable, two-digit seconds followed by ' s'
2 h 56 min 14 s
